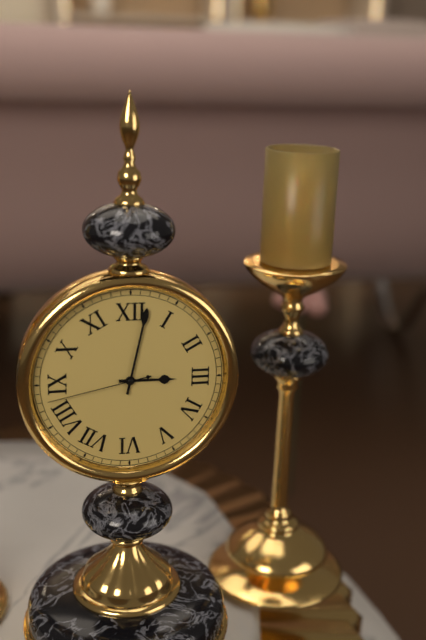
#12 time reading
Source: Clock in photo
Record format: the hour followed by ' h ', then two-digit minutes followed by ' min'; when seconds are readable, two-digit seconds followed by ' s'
3 h 02 min 43 s
